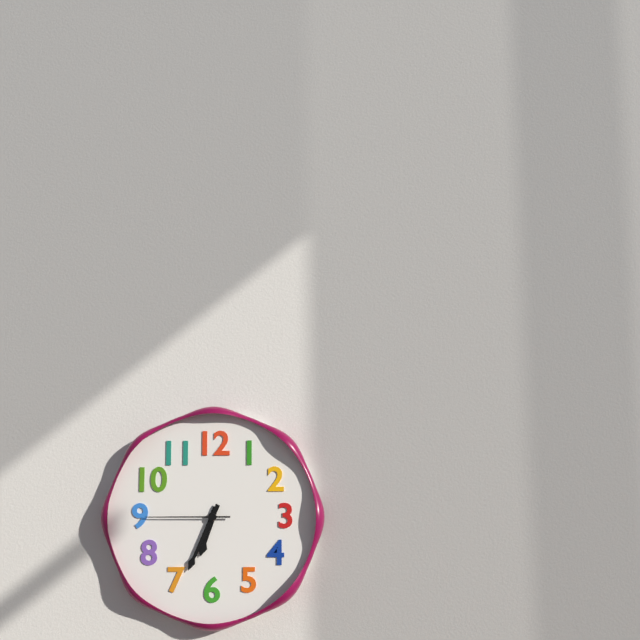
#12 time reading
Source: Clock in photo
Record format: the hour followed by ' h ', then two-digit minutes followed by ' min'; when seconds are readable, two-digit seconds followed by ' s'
6 h 34 min 45 s
